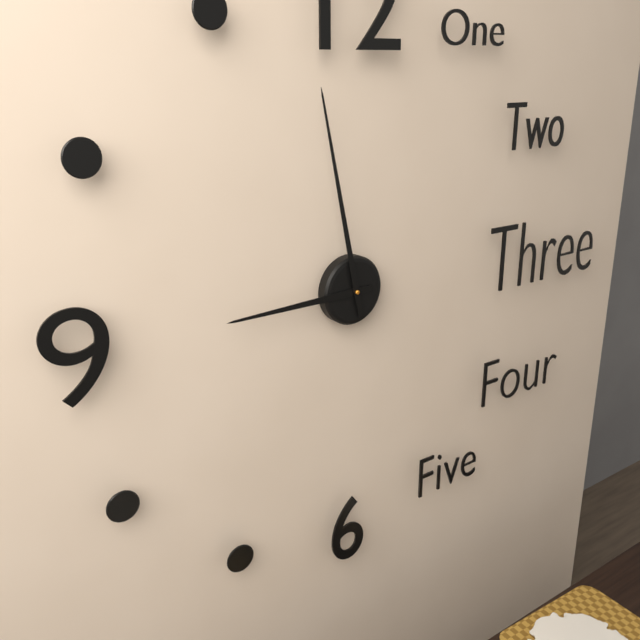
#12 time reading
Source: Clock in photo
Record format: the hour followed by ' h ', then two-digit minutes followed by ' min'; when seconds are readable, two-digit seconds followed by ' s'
8 h 58 min
